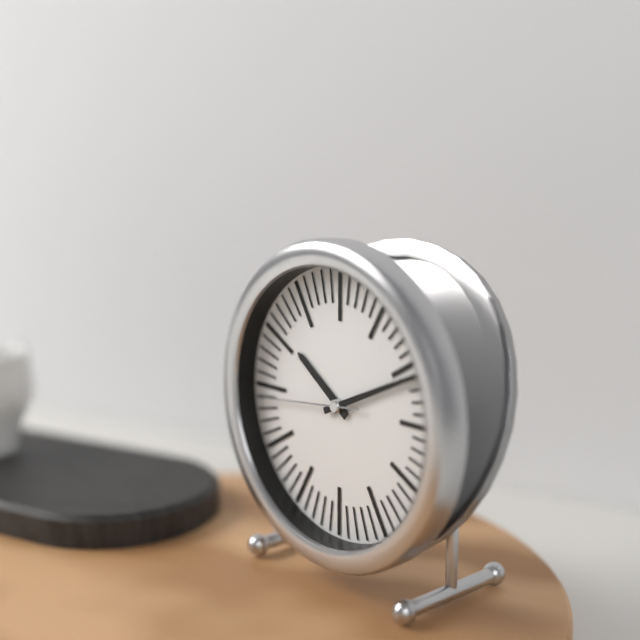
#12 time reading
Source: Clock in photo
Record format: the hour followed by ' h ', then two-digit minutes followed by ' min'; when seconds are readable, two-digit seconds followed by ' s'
10 h 11 min 44 s
